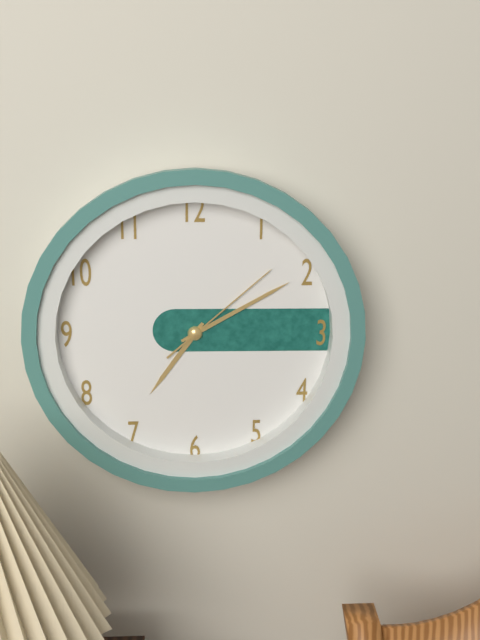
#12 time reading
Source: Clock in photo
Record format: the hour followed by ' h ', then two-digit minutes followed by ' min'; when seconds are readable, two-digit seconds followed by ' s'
7 h 10 min 08 s
